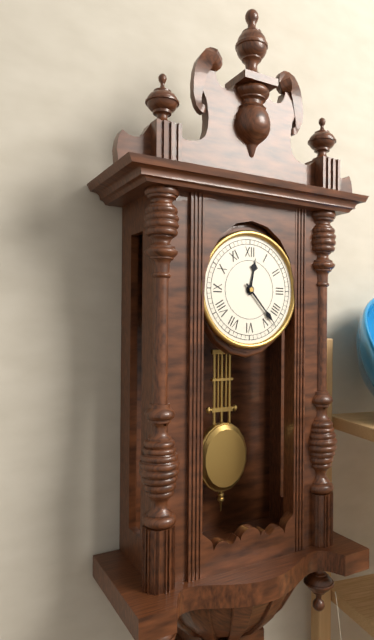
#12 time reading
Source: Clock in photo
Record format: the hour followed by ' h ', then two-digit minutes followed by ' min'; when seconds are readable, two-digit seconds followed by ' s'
12 h 23 min
